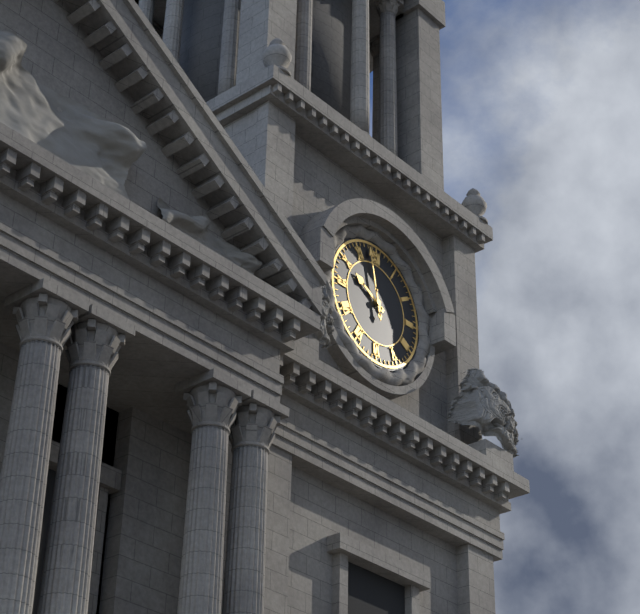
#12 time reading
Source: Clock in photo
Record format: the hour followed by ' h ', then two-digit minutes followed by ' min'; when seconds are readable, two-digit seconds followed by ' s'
9 h 58 min
